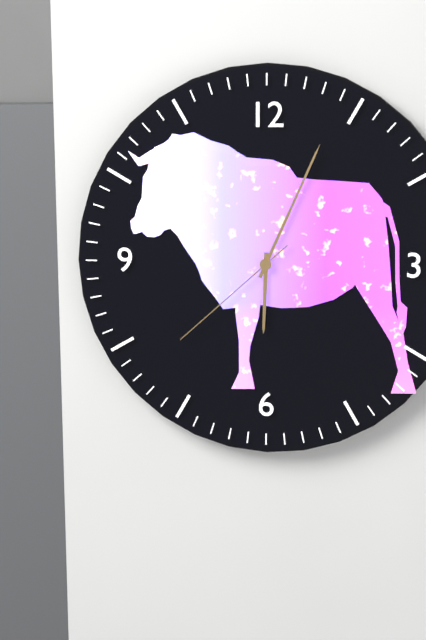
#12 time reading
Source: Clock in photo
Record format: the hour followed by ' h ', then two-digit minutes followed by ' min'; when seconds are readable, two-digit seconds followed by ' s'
6 h 04 min 38 s
